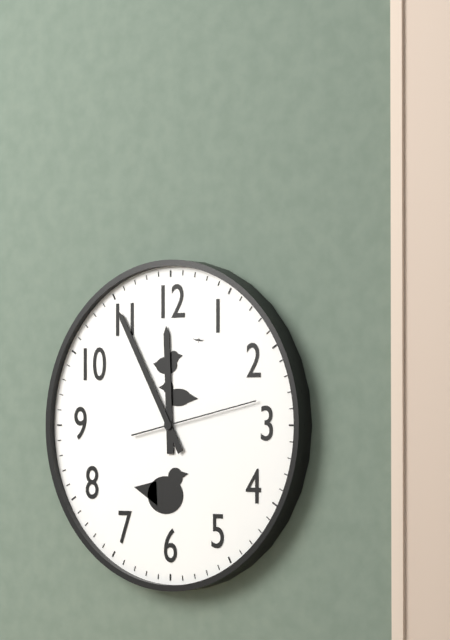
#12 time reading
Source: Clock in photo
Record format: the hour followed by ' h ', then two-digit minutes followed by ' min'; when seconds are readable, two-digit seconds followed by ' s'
11 h 55 min 13 s
